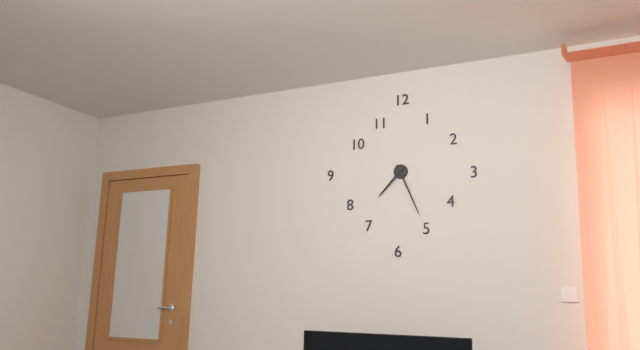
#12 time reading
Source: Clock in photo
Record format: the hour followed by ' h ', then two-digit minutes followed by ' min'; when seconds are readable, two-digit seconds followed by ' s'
7 h 26 min
